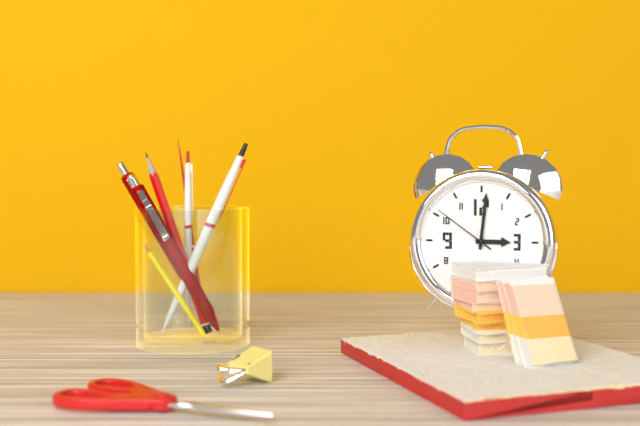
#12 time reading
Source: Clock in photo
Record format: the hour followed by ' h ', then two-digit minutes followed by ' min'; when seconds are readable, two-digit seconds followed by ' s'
3 h 01 min 51 s
